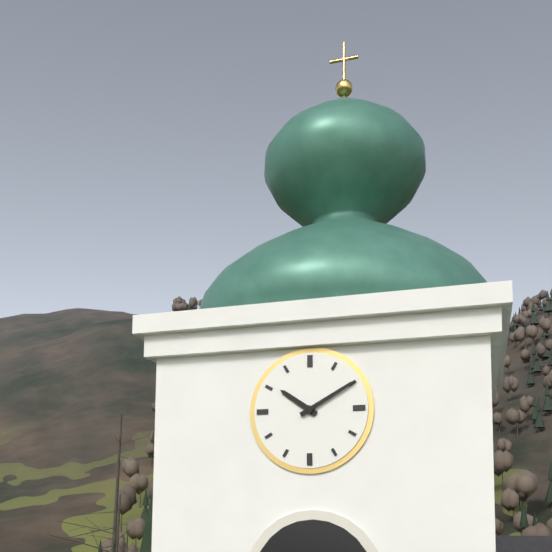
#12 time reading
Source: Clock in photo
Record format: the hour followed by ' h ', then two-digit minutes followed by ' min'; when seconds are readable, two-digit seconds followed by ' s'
10 h 10 min
